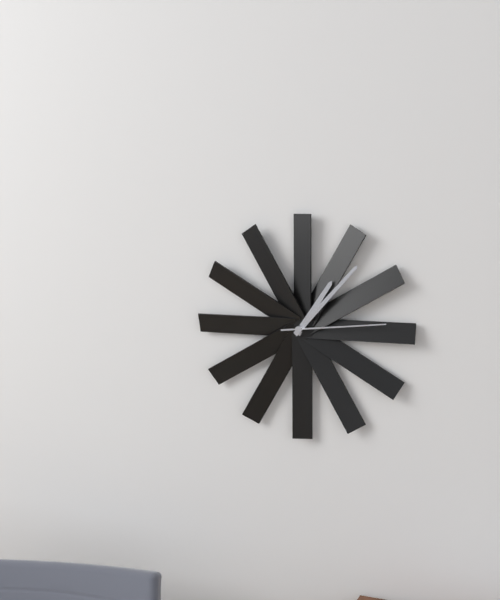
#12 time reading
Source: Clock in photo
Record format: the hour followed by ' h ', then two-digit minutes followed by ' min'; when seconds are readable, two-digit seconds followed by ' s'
1 h 07 min 14 s
